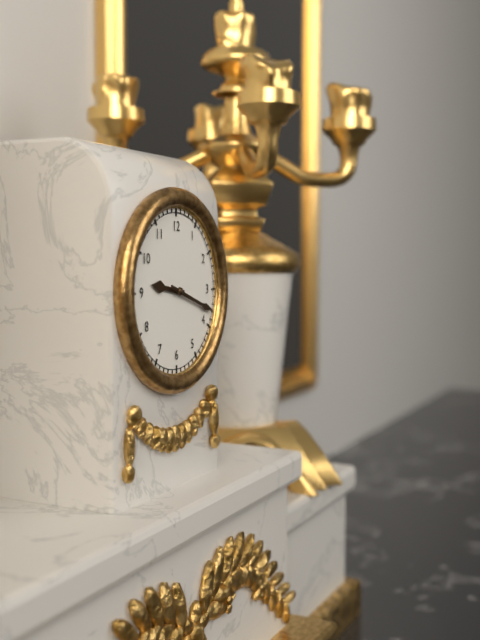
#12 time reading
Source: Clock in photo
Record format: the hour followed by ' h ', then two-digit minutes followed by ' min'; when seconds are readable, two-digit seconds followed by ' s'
9 h 18 min
